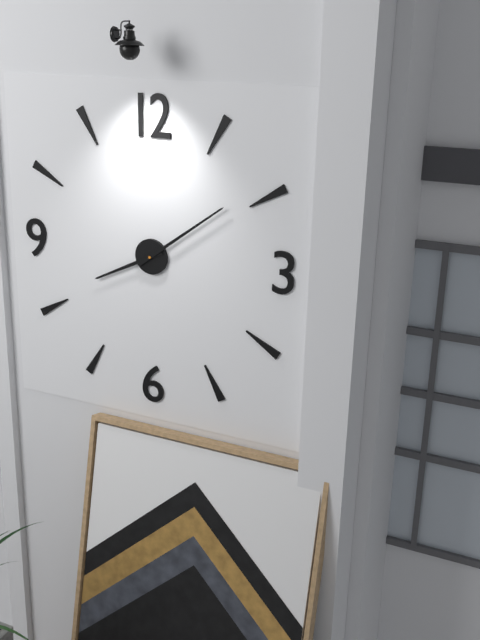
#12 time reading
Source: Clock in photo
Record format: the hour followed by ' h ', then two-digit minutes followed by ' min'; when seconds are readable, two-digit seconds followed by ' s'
8 h 09 min
